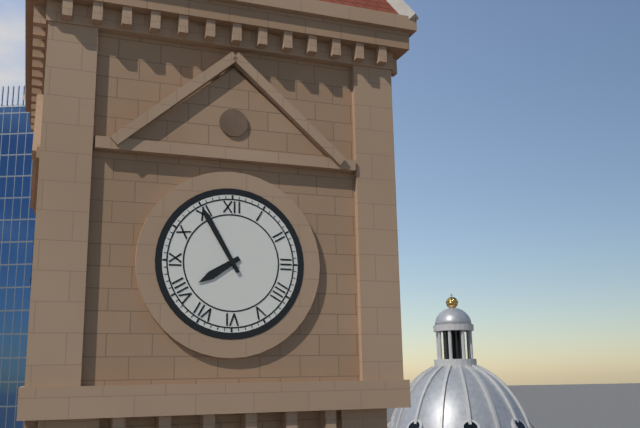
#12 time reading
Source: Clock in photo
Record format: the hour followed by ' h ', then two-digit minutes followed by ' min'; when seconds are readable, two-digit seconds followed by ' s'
7 h 55 min
